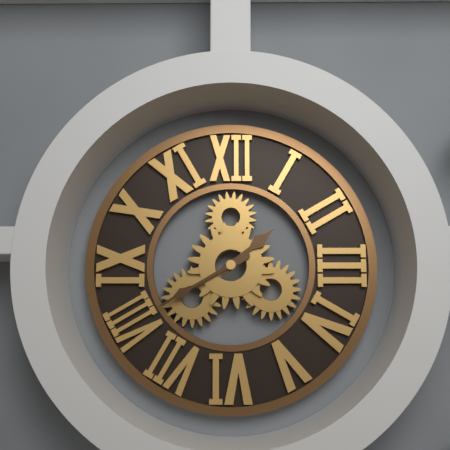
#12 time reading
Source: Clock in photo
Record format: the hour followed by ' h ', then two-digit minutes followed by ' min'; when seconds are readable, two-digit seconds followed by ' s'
1 h 40 min
